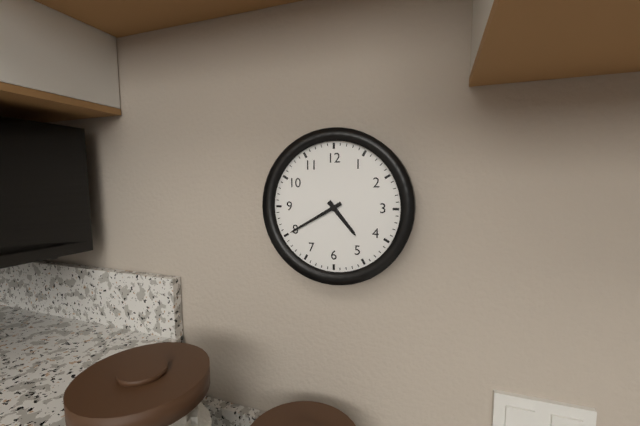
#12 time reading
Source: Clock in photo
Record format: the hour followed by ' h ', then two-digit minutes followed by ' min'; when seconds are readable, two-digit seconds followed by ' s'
4 h 40 min
